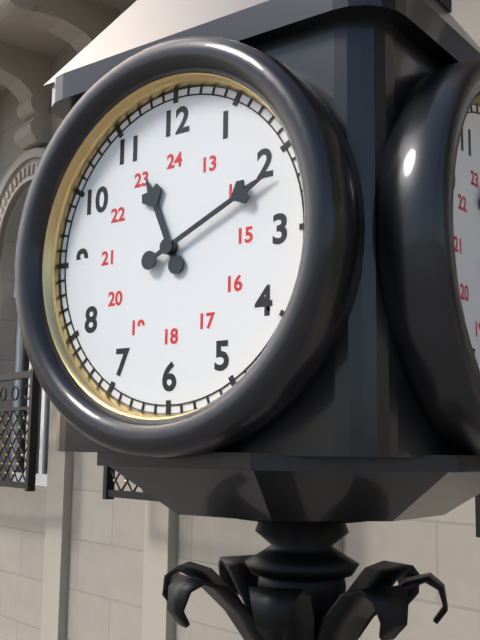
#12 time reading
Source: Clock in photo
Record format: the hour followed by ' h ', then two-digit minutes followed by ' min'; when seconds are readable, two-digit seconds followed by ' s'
11 h 11 min
